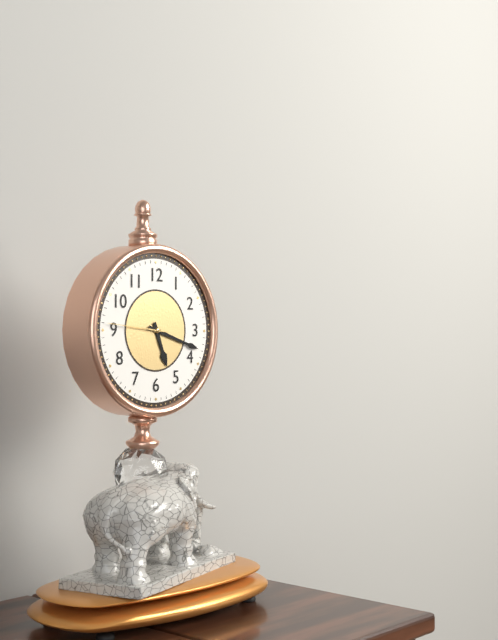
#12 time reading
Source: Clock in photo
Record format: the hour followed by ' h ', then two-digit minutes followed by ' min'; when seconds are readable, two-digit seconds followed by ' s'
5 h 18 min 46 s
